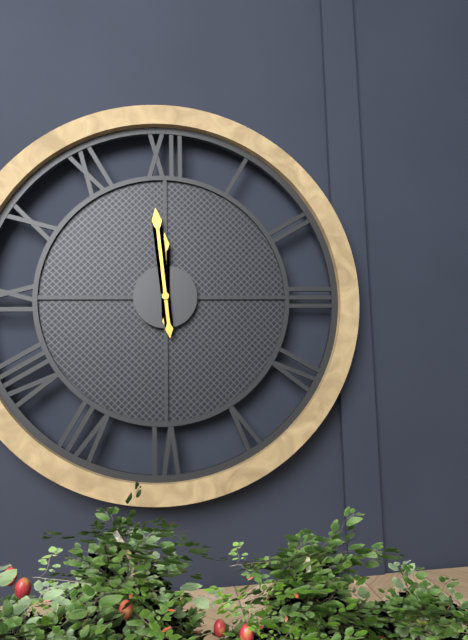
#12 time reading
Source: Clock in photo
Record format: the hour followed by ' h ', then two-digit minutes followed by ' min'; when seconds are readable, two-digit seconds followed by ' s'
11 h 59 min
